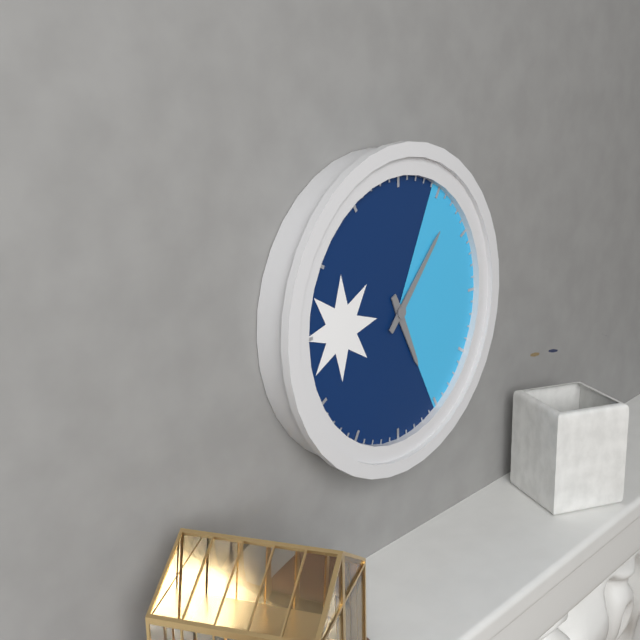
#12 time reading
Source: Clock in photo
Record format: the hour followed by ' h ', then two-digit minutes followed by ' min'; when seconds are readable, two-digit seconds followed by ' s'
5 h 07 min
